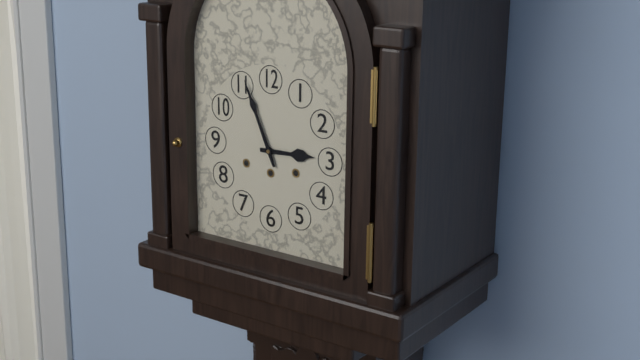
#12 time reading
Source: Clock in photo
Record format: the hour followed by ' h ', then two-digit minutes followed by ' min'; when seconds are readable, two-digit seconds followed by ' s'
2 h 56 min
